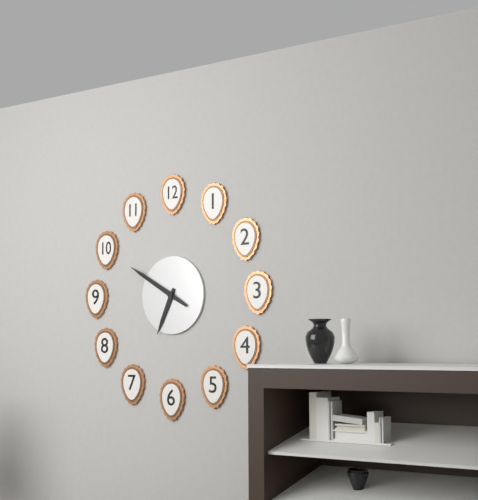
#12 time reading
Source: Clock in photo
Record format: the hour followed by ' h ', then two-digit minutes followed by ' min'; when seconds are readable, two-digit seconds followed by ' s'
6 h 50 min
